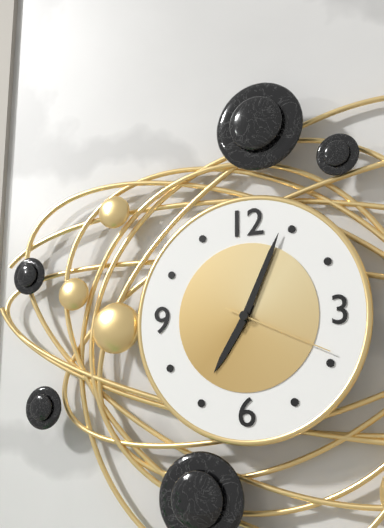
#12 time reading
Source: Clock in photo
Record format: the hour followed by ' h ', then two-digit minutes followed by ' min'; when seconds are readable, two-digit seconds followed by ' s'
7 h 04 min 19 s
